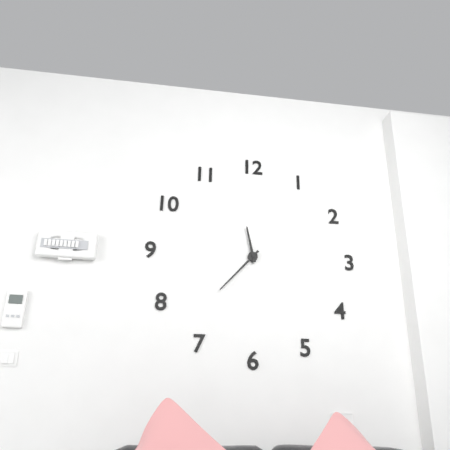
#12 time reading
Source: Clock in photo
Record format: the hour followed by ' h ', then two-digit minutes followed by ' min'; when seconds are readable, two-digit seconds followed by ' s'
11 h 37 min
